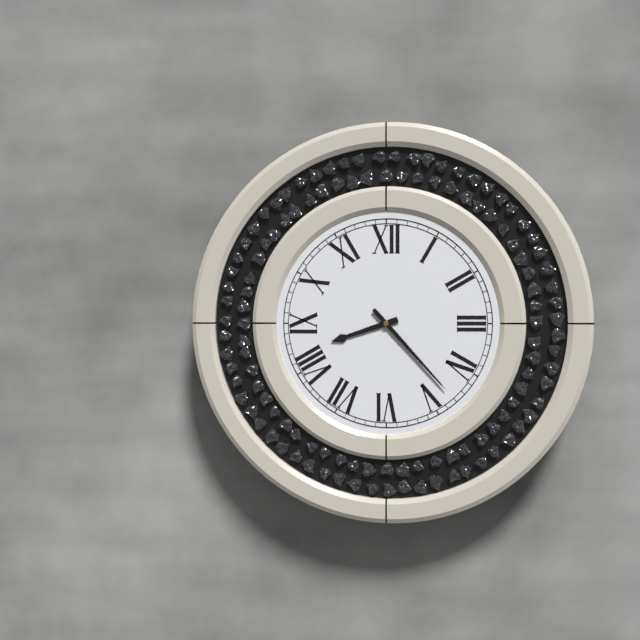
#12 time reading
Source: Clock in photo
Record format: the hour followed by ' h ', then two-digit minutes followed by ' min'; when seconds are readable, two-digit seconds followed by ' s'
8 h 23 min
